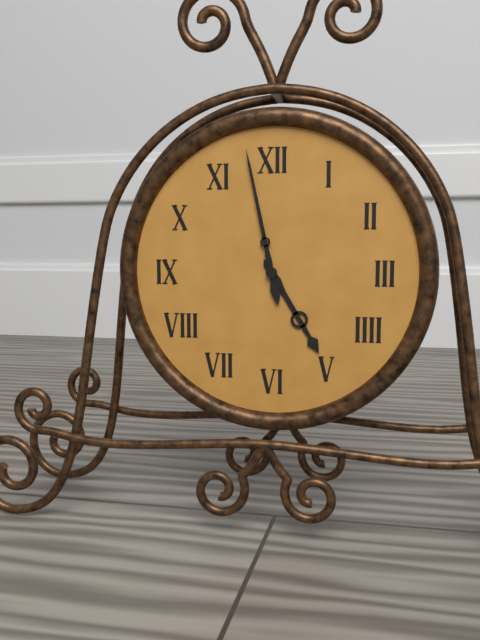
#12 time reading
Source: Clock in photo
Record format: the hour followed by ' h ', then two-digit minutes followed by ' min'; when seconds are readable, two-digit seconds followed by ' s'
4 h 58 min
